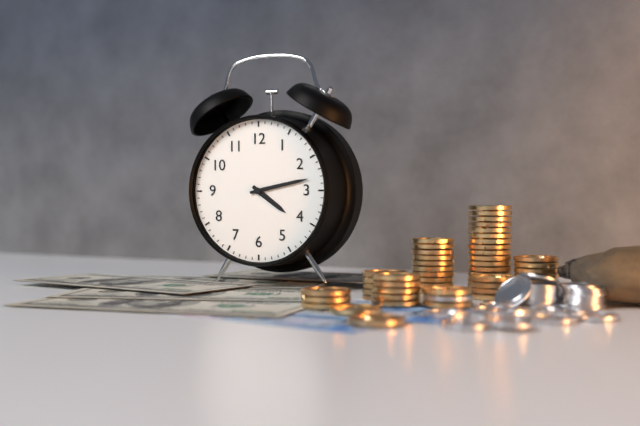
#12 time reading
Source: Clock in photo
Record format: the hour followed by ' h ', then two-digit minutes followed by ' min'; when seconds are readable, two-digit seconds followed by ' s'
4 h 13 min
